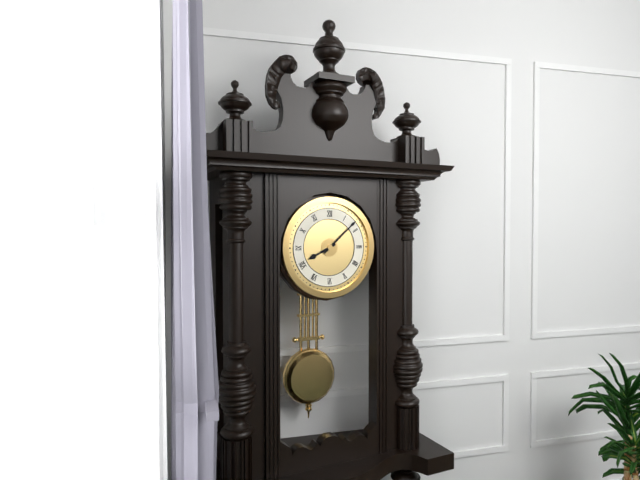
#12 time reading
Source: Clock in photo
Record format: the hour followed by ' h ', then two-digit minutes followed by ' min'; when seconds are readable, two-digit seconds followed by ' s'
8 h 08 min
